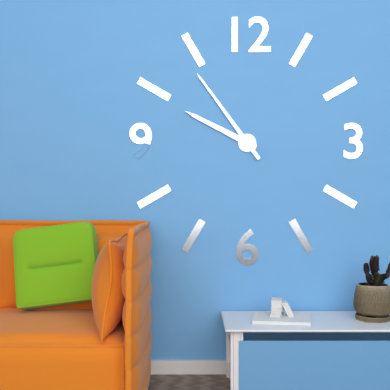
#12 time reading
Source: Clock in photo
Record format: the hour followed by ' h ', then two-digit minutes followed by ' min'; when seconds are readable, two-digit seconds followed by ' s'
9 h 54 min
